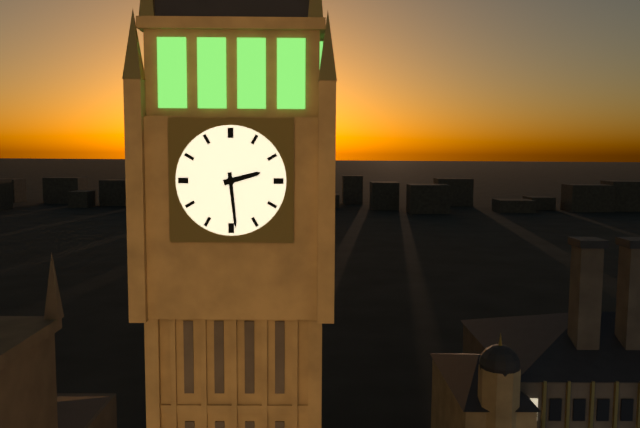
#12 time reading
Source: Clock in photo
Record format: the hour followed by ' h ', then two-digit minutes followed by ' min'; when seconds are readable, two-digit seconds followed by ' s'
2 h 29 min
